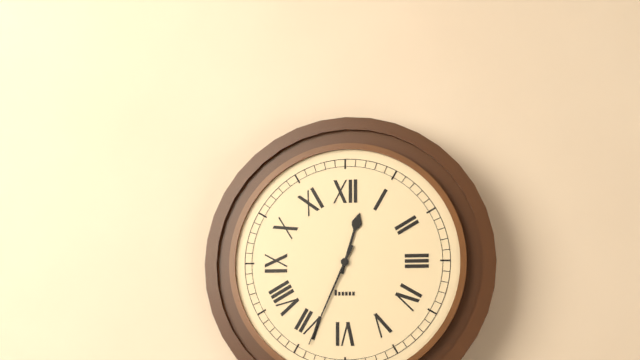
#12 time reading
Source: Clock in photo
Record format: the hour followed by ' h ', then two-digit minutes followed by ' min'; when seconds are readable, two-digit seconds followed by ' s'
12 h 34 min
